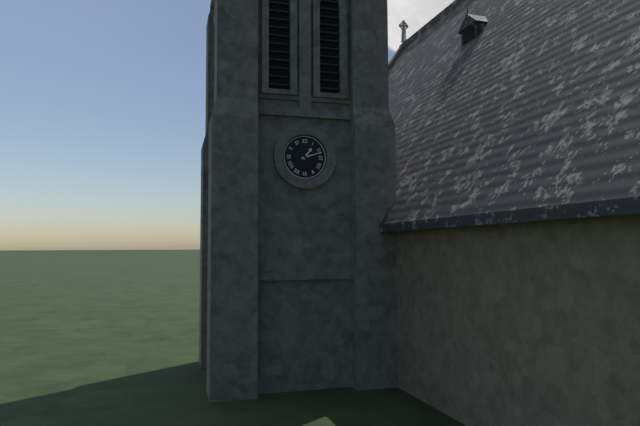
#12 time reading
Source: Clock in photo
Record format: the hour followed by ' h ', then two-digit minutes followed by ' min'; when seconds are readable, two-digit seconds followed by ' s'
1 h 12 min
